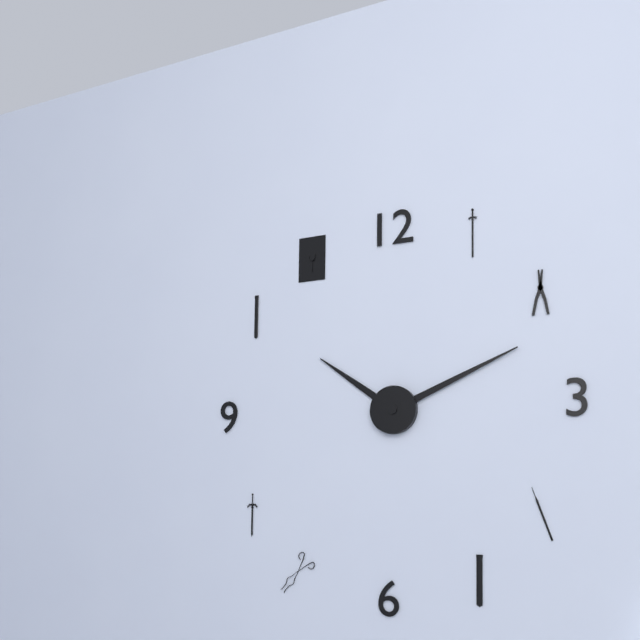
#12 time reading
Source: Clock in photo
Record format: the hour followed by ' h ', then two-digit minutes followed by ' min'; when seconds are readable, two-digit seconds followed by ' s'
10 h 11 min
